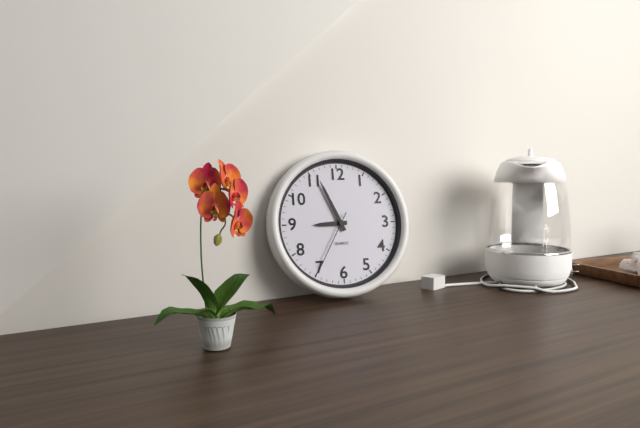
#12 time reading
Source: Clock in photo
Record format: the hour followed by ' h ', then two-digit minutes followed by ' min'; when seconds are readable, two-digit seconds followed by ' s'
8 h 56 min 35 s
